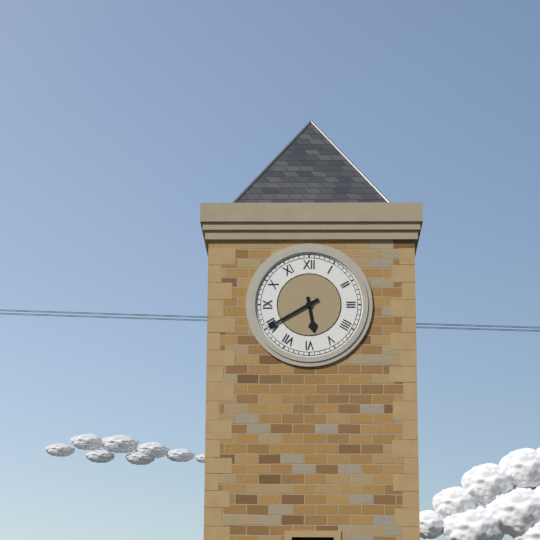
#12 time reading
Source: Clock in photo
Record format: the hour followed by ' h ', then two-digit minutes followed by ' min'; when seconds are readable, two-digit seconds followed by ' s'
5 h 40 min
